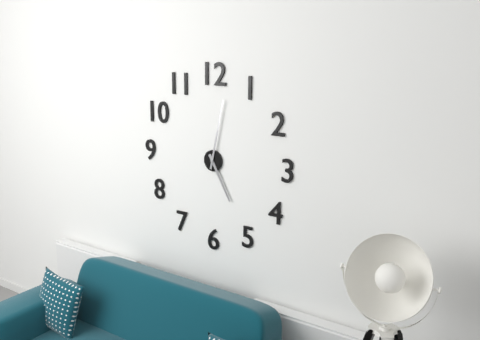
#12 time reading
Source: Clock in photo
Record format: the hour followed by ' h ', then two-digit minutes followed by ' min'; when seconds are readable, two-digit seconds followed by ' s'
5 h 02 min
